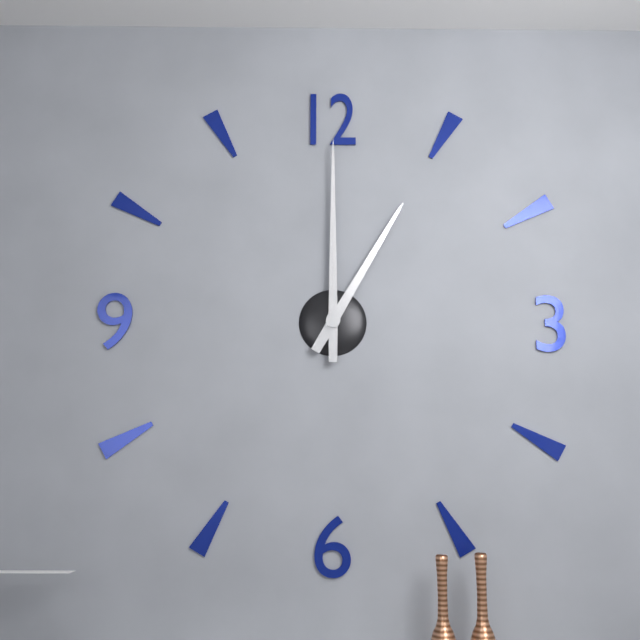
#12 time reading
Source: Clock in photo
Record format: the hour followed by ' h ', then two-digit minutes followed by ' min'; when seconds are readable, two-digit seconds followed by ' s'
1 h 00 min
